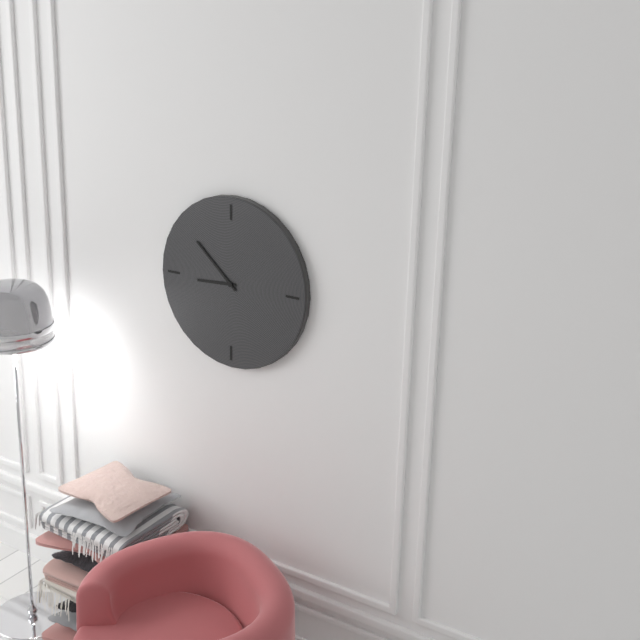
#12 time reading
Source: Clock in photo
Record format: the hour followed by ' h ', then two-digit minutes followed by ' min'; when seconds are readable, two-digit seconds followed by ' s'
8 h 52 min
